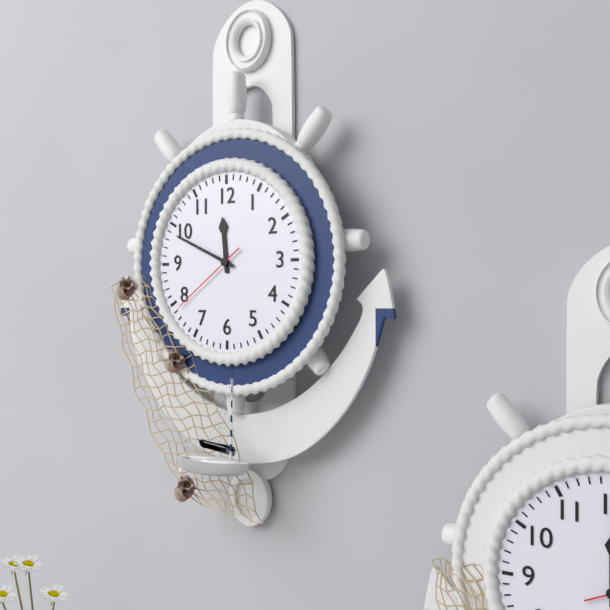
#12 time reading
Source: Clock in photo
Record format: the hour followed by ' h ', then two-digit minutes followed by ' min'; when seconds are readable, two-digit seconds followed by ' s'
11 h 49 min 39 s
